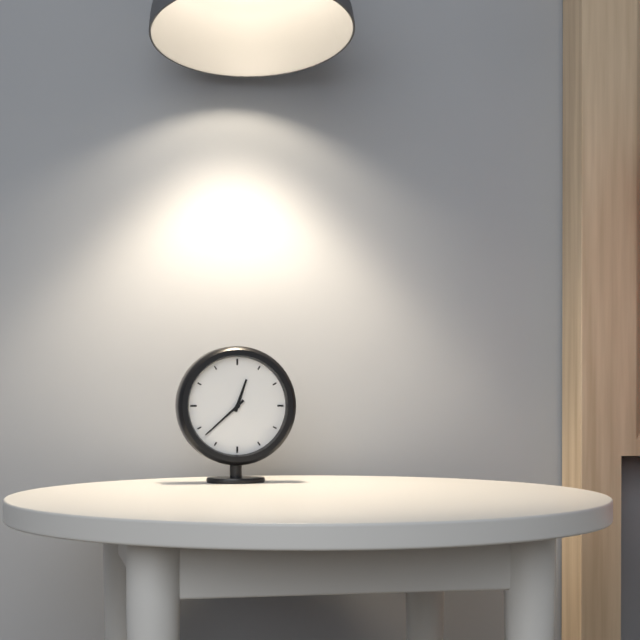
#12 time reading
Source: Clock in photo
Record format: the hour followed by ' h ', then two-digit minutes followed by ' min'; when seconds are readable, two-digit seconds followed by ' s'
12 h 38 min
